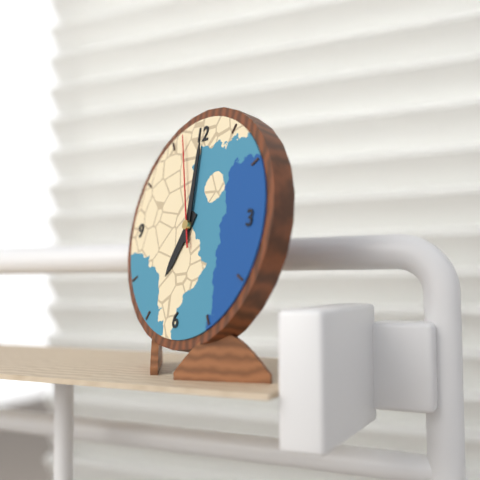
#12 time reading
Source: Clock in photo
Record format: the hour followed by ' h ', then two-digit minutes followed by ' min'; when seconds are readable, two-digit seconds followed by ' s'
7 h 00 min 57 s
